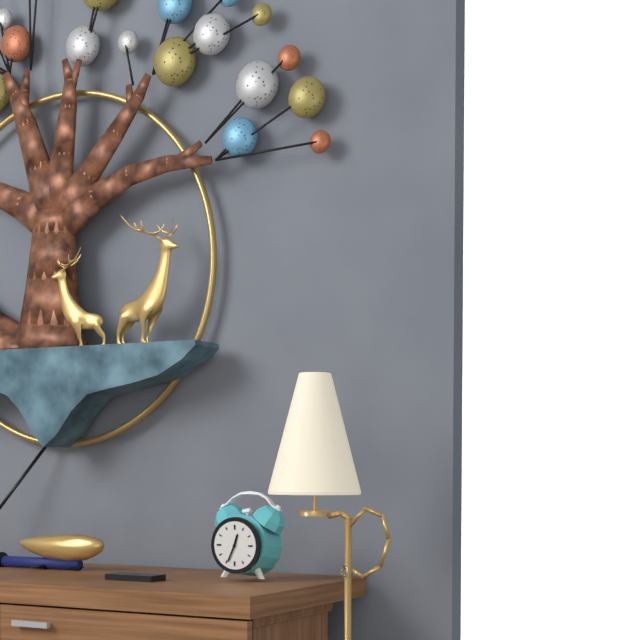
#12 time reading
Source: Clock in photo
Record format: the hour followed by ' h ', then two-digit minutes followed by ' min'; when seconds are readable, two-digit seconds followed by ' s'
12 h 34 min
